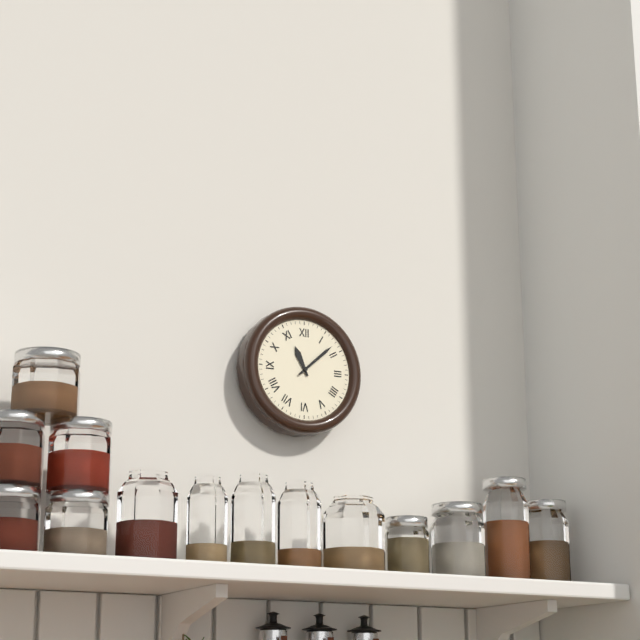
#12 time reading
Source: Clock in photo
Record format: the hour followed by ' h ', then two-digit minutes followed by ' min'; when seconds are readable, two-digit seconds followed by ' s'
11 h 08 min
